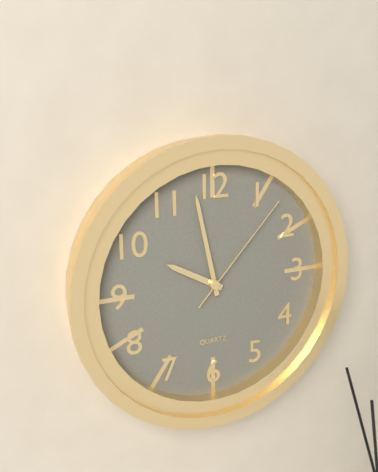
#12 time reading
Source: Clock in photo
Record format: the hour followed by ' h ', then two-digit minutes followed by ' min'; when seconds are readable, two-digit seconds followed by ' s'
9 h 58 min 07 s
